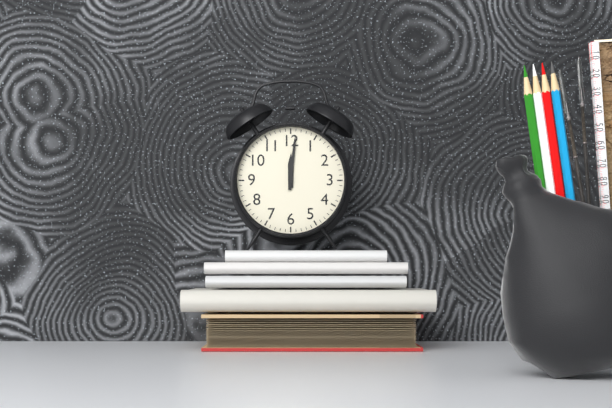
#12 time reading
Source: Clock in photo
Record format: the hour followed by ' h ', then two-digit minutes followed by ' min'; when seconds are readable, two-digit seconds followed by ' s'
12 h 01 min
